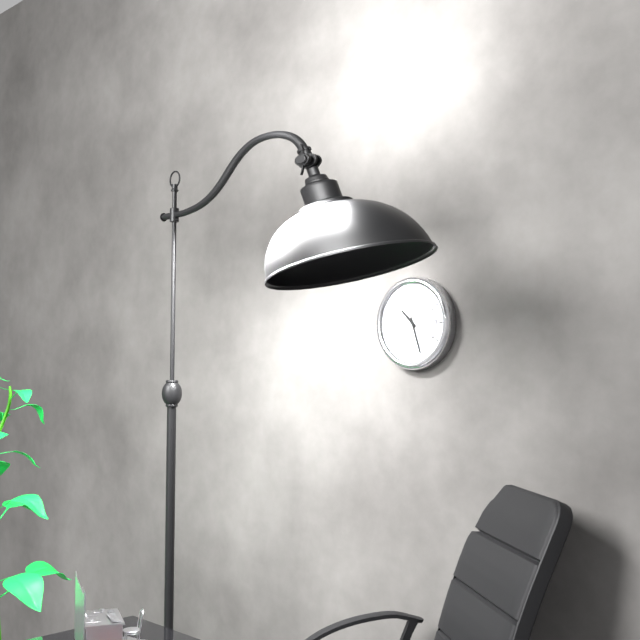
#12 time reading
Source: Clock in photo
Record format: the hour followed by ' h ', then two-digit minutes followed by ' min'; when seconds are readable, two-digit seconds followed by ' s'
10 h 27 min
